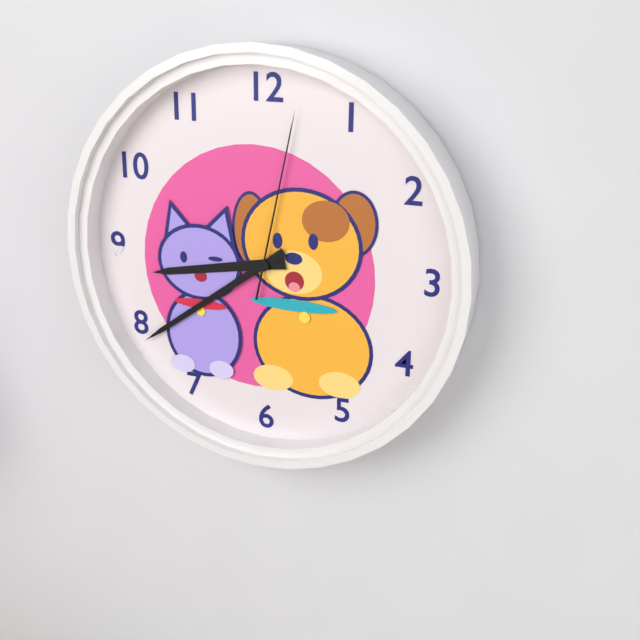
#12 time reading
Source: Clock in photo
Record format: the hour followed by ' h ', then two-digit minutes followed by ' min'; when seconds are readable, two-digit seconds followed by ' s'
8 h 39 min 02 s
